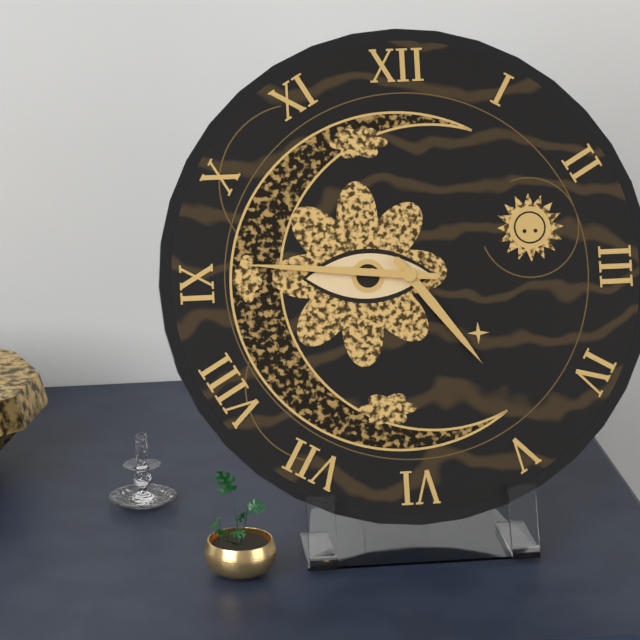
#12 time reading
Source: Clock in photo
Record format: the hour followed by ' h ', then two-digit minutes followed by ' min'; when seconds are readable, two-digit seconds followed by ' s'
4 h 46 min
